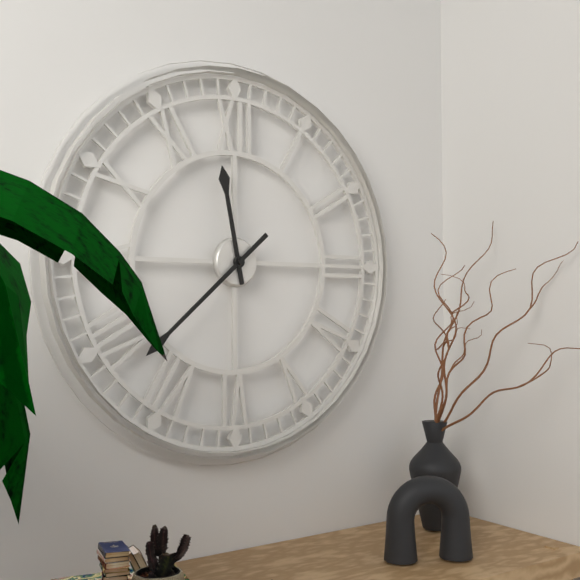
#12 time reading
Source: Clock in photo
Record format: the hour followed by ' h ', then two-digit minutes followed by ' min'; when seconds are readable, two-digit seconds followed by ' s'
11 h 38 min
